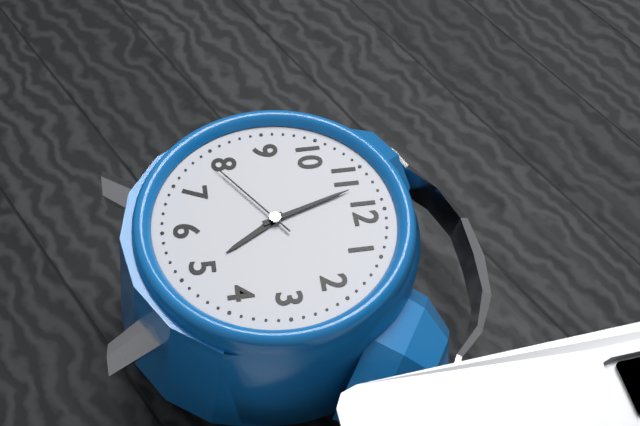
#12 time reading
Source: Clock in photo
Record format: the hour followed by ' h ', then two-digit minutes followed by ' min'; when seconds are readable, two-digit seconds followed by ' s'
4 h 57 min 39 s
